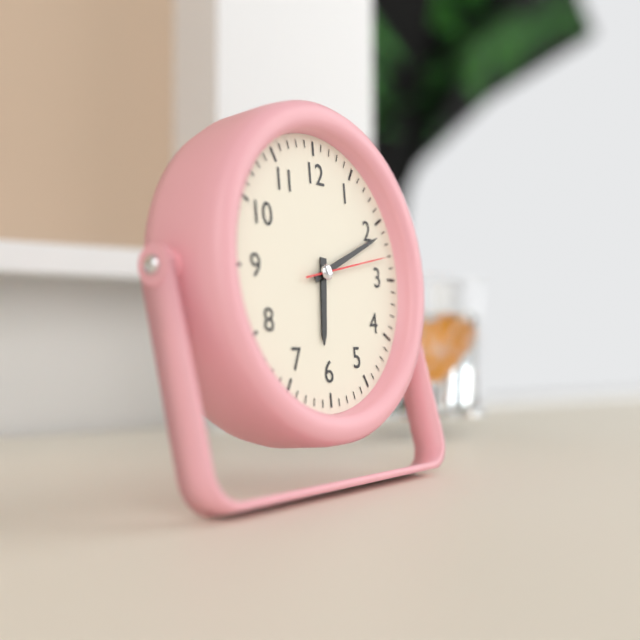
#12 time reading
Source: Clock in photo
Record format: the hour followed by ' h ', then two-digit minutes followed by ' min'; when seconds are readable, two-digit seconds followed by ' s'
6 h 11 min 13 s
